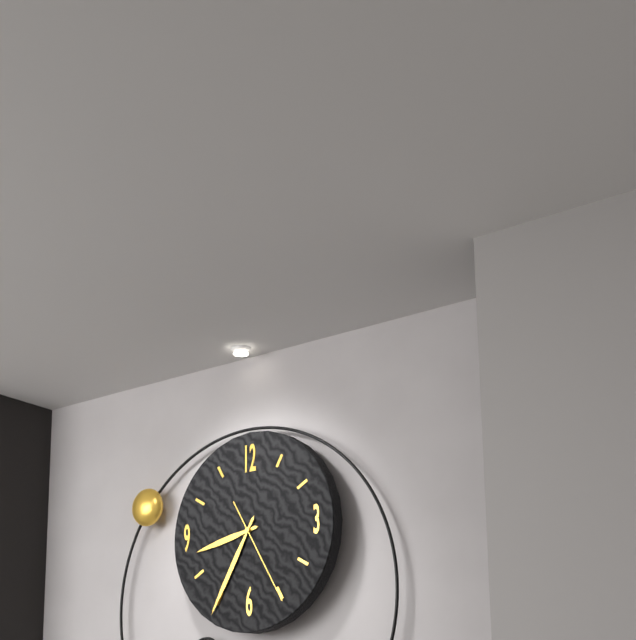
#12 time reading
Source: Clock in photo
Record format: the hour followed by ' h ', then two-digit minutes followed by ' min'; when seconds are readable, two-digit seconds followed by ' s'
8 h 35 min 25 s
